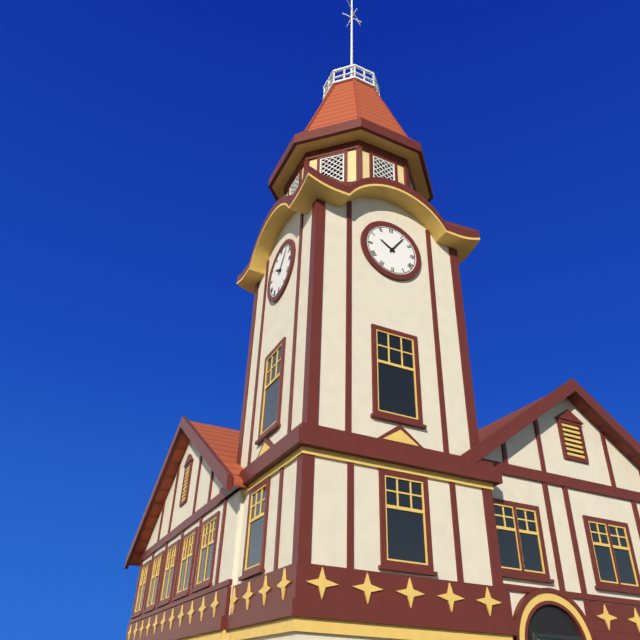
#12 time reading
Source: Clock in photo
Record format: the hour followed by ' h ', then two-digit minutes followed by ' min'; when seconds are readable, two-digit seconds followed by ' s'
10 h 06 min
